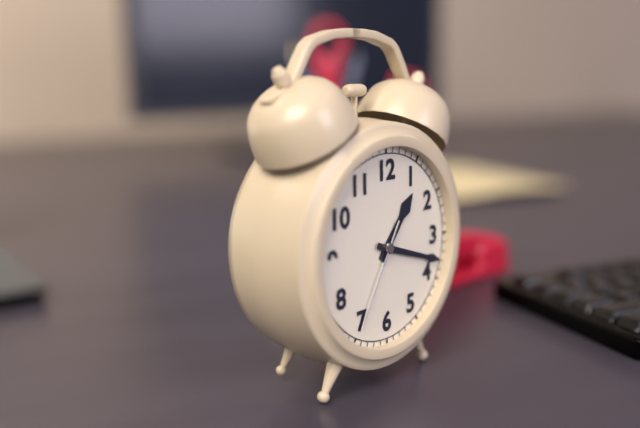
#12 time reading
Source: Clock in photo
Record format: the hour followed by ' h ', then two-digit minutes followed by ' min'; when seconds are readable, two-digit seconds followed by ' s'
1 h 18 min 35 s
